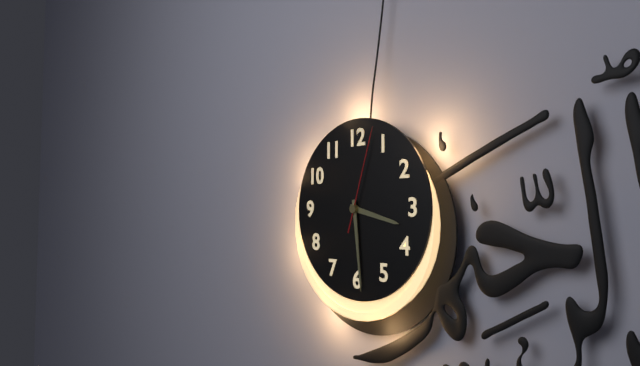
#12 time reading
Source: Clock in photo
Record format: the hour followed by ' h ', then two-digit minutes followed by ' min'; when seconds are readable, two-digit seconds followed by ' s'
3 h 29 min 03 s
